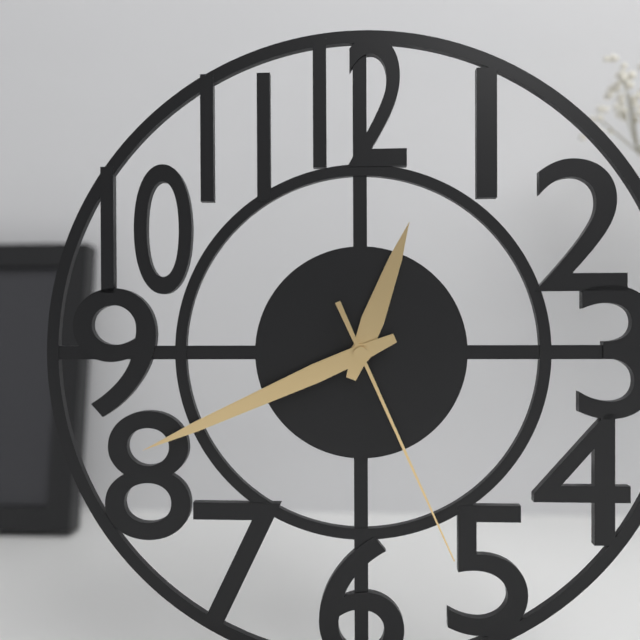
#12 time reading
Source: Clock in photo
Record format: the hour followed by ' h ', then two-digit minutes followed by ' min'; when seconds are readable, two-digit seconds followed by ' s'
12 h 41 min 26 s
